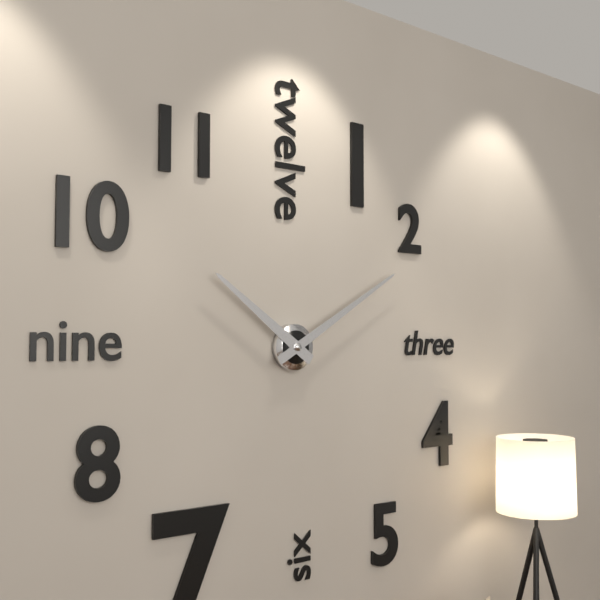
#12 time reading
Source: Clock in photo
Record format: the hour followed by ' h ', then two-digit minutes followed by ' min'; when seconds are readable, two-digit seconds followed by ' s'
10 h 10 min
